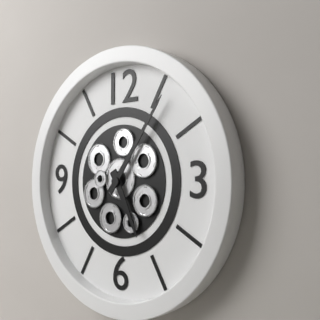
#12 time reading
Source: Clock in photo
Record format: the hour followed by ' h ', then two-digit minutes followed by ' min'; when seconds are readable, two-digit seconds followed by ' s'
5 h 06 min
